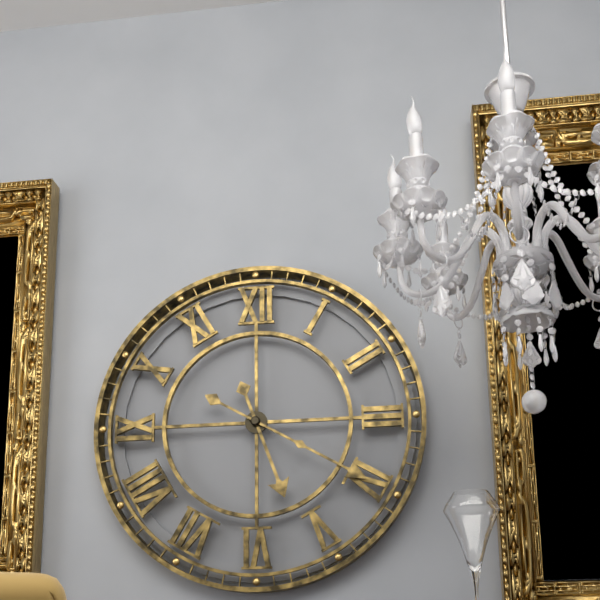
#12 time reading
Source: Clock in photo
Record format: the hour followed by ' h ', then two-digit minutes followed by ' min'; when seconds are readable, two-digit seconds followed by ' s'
5 h 20 min
